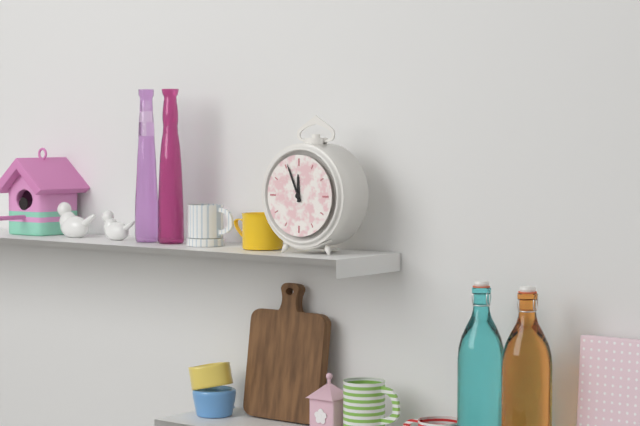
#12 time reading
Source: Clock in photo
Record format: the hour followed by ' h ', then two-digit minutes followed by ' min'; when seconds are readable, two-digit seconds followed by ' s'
11 h 56 min
